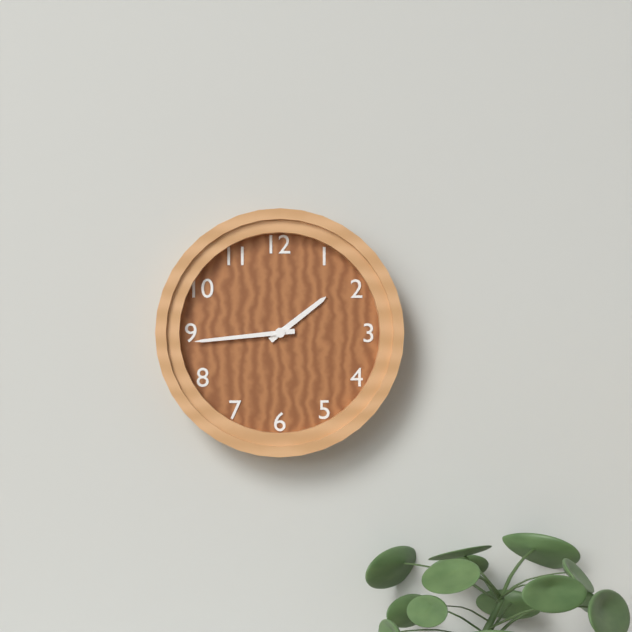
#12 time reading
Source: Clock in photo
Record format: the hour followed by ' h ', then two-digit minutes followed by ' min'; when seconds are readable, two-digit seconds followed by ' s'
1 h 44 min
